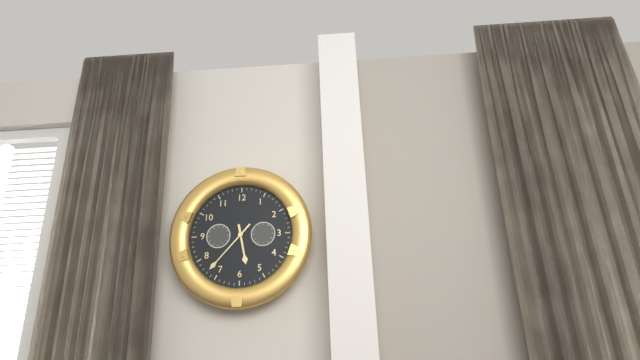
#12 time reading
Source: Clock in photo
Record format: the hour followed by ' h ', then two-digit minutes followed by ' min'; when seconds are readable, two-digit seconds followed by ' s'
5 h 37 min
